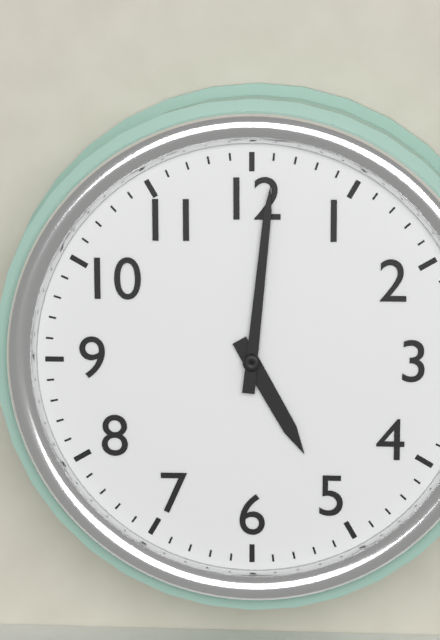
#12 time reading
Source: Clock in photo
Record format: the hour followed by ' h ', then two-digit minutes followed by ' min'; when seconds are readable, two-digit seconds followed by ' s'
5 h 01 min
